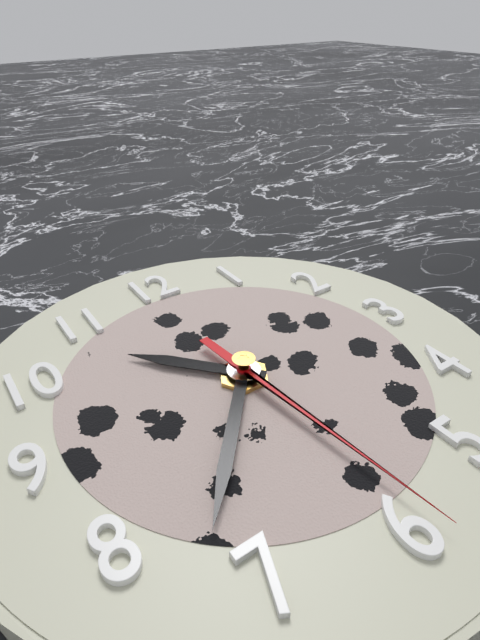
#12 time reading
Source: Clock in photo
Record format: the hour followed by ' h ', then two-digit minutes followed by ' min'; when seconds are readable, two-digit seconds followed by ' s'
10 h 37 min 29 s
